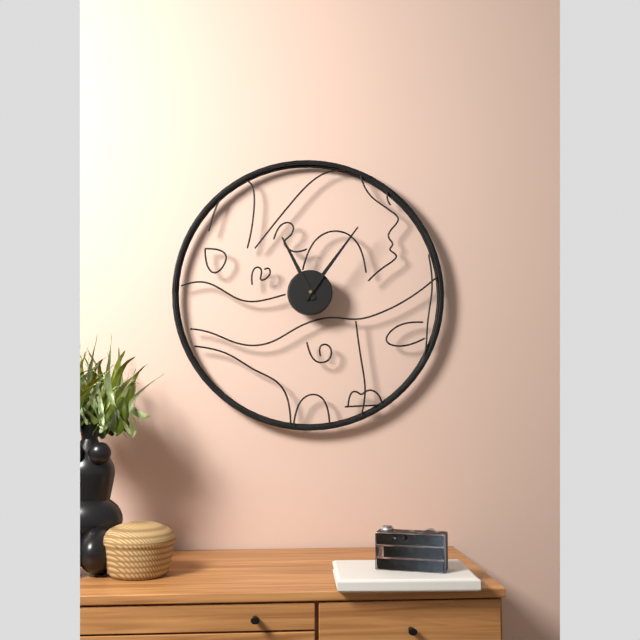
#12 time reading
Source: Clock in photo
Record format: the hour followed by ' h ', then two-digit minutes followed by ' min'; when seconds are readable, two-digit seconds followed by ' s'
11 h 06 min
